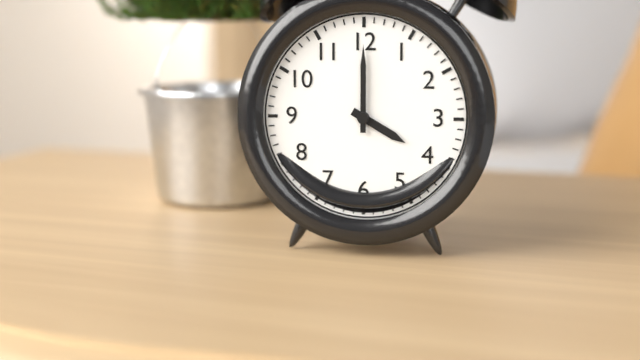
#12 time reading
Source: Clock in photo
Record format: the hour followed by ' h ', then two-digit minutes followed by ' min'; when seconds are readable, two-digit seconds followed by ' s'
4 h 00 min
